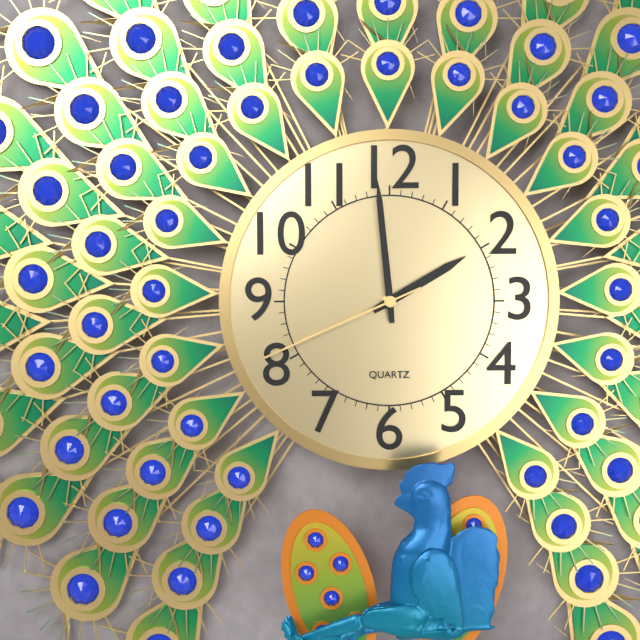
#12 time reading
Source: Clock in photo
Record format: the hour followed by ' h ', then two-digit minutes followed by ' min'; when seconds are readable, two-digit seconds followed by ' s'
1 h 59 min 41 s
